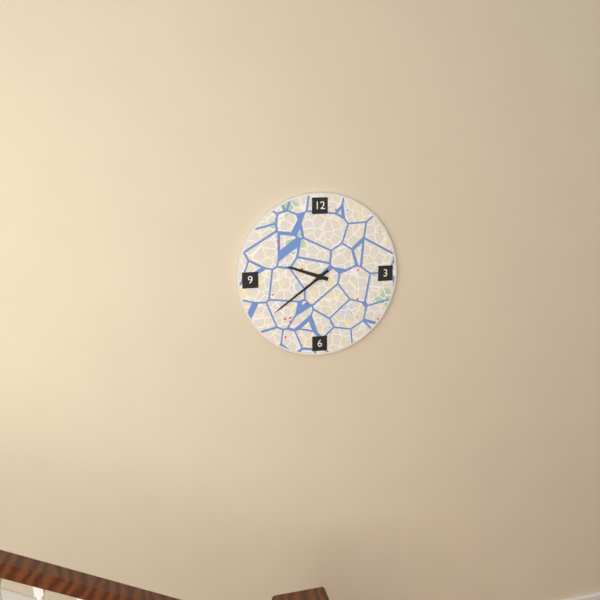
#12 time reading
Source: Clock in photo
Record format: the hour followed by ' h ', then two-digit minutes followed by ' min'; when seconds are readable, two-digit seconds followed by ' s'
9 h 39 min
